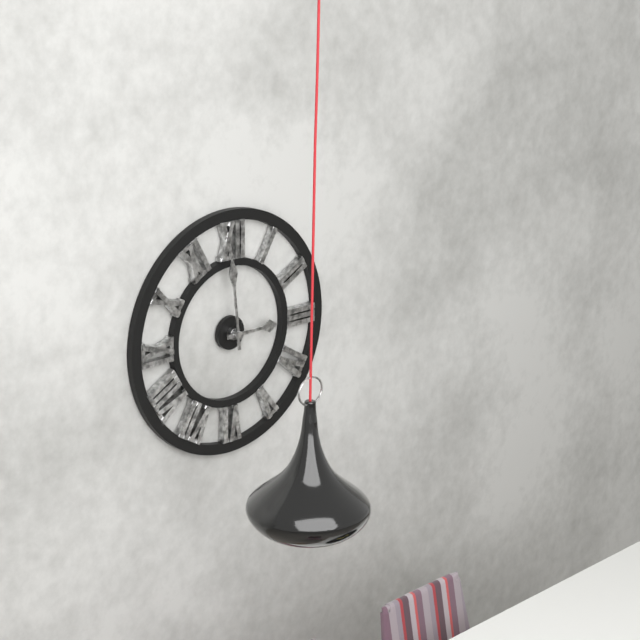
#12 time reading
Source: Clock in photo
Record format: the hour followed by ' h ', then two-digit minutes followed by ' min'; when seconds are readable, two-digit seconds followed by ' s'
2 h 59 min
